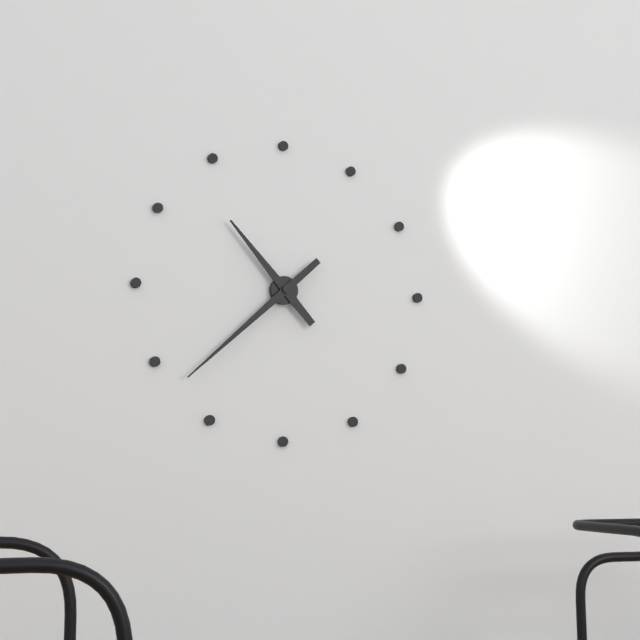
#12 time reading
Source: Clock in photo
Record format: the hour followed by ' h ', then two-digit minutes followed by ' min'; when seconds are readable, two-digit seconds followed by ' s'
10 h 38 min
